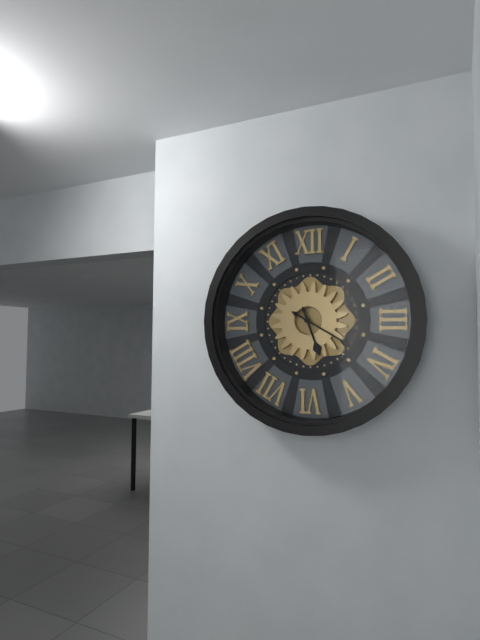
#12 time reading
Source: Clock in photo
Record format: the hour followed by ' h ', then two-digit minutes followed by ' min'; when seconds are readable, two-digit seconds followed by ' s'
5 h 20 min
